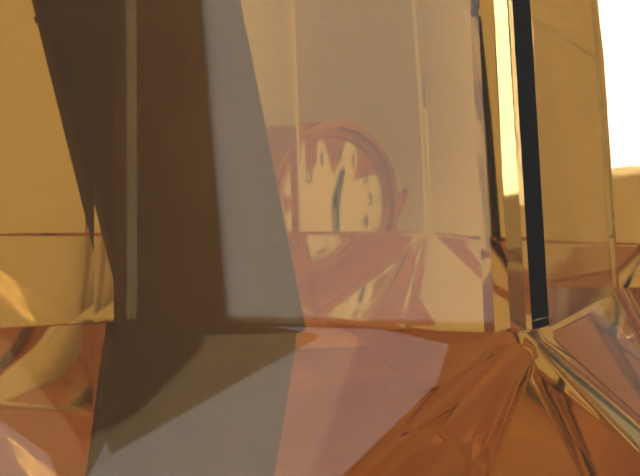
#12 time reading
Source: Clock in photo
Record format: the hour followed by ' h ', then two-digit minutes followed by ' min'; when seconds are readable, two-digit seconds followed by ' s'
12 h 30 min
